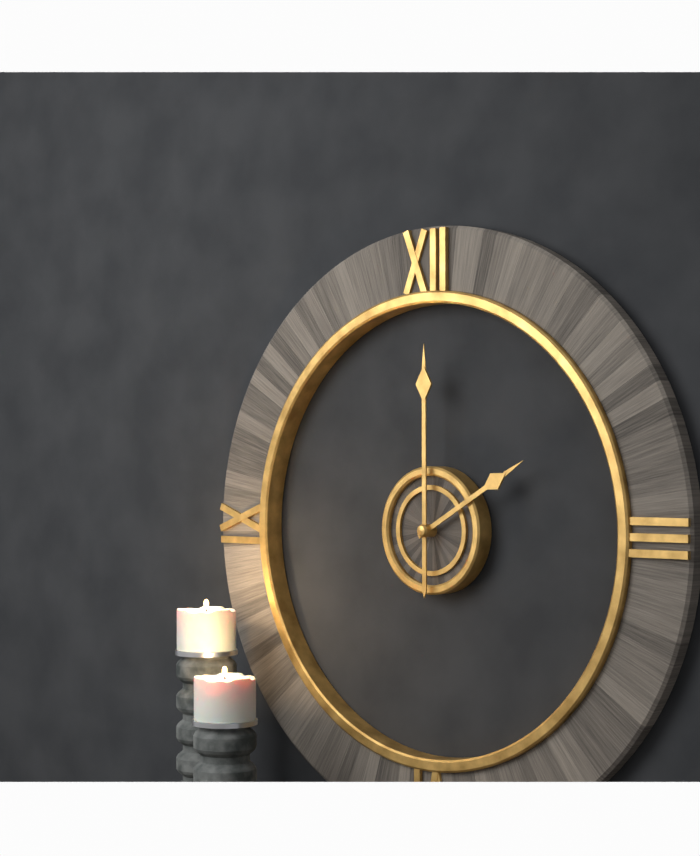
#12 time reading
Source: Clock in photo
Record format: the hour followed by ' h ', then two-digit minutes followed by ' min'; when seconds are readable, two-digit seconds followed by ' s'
2 h 00 min
